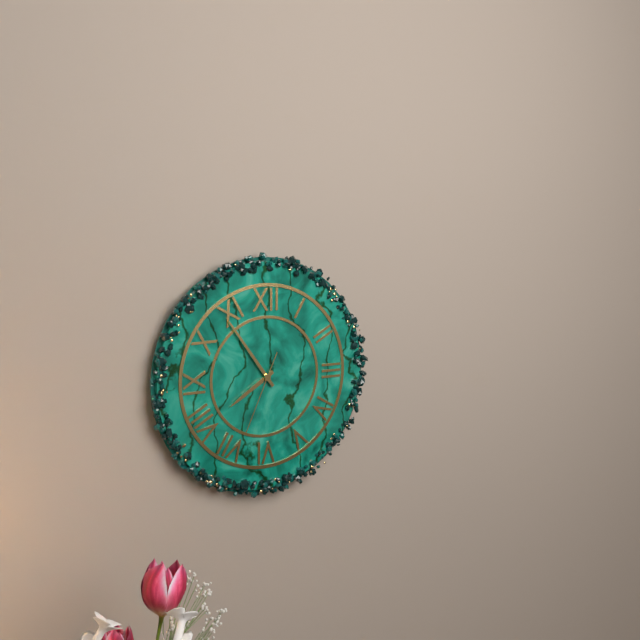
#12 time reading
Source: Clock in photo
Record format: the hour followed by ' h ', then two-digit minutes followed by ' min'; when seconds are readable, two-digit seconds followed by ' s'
7 h 54 min 34 s
